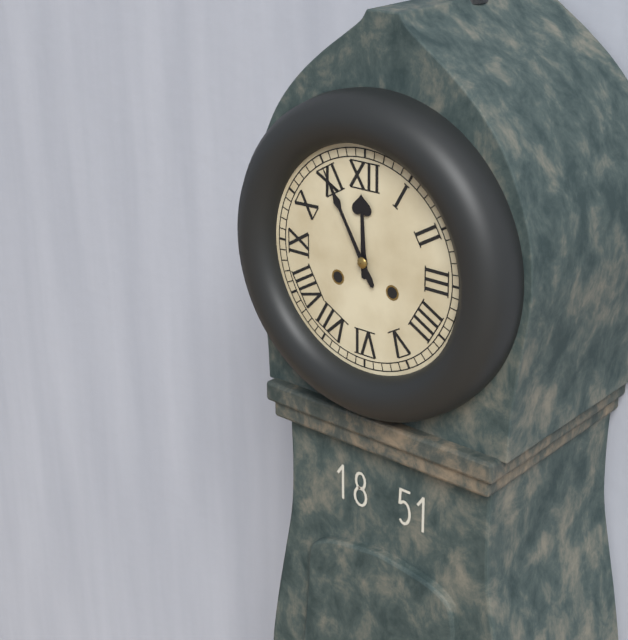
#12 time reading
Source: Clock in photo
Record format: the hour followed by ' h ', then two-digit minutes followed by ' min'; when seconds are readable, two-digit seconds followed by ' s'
11 h 55 min
